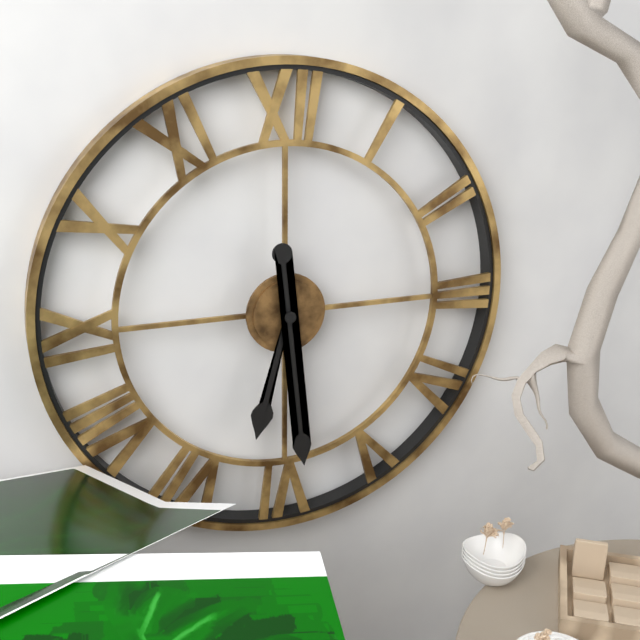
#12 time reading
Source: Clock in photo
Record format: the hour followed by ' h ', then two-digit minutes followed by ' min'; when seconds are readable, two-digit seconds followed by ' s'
6 h 29 min
